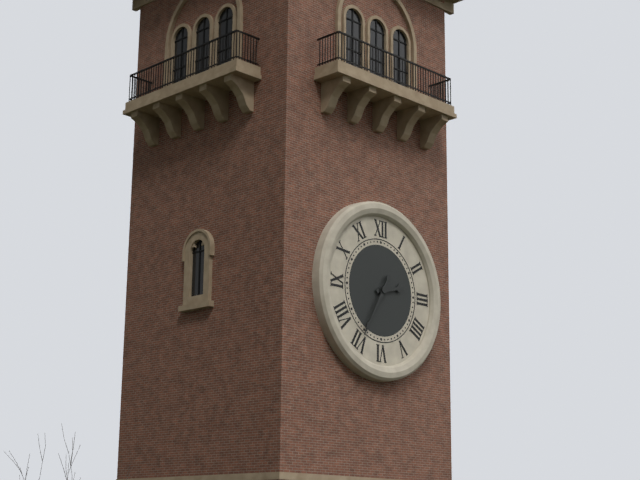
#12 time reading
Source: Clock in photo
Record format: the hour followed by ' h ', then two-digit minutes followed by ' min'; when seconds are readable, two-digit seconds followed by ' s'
2 h 35 min
